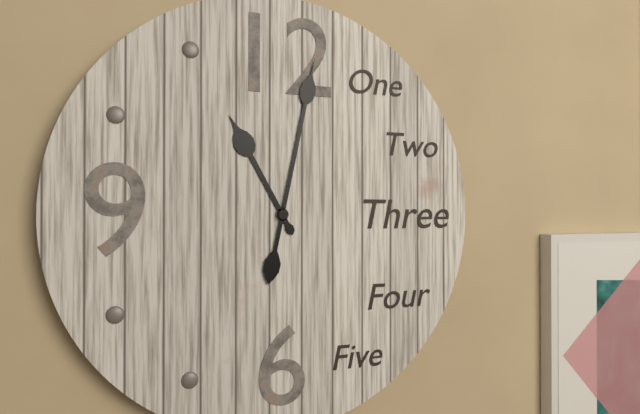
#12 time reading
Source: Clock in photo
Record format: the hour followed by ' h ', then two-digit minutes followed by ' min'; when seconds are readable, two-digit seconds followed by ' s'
11 h 02 min
